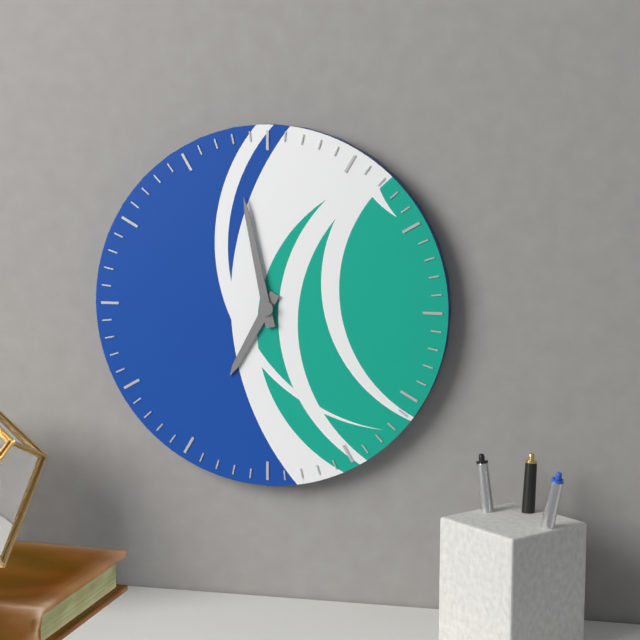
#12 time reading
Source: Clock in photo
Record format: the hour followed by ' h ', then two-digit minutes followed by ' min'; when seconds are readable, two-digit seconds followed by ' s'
6 h 58 min
